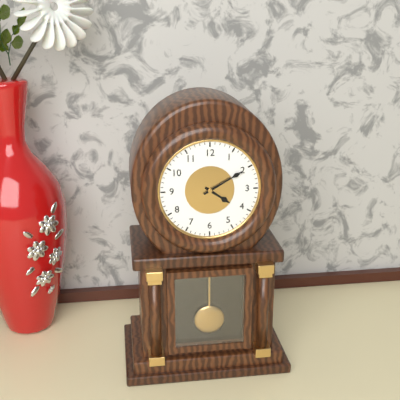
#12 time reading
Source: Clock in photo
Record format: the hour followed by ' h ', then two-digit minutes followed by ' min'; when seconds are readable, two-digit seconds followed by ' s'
4 h 10 min
